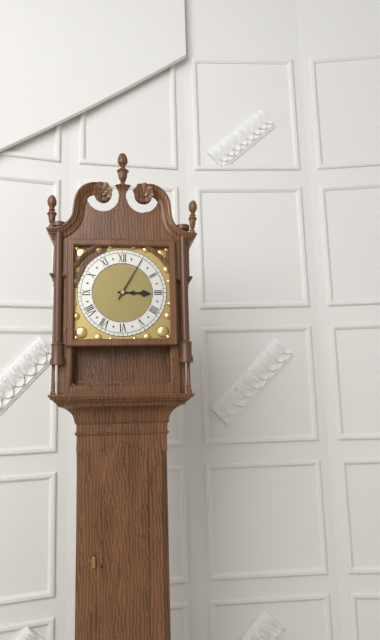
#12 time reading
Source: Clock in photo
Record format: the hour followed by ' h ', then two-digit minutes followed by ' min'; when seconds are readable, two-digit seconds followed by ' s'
3 h 05 min
